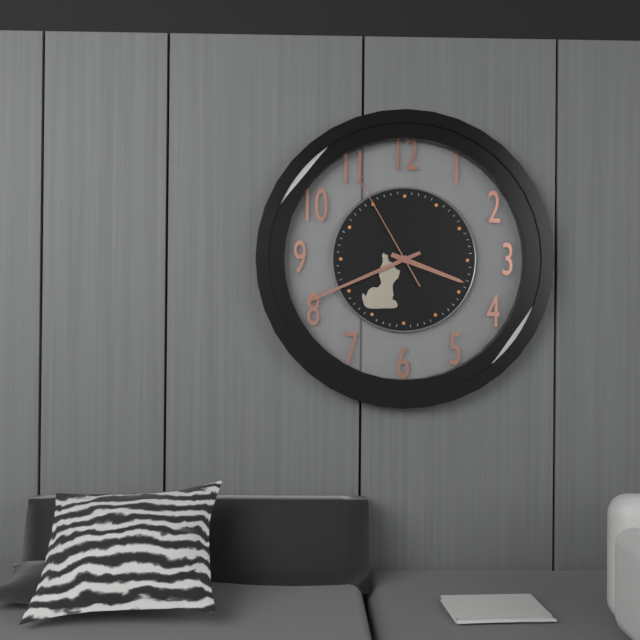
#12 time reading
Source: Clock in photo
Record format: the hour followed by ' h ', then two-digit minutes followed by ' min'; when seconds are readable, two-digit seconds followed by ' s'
3 h 41 min 55 s
